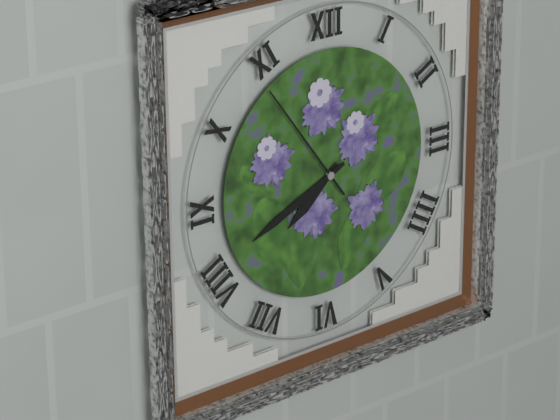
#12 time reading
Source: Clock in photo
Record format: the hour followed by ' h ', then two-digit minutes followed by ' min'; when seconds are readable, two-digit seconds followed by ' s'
7 h 41 min 54 s
